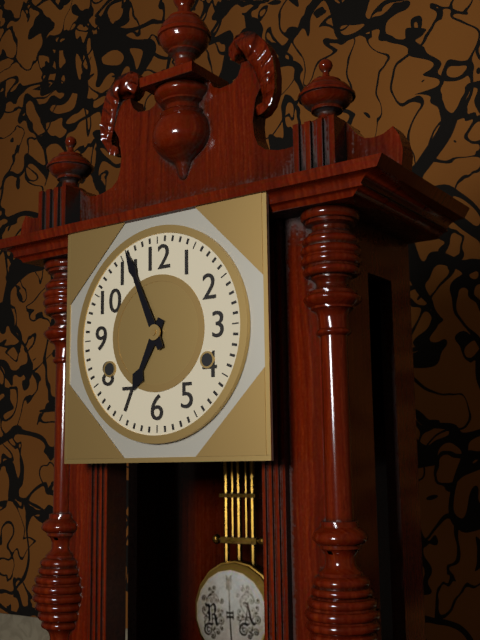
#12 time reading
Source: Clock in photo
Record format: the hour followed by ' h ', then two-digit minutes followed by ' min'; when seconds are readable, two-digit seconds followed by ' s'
6 h 56 min
